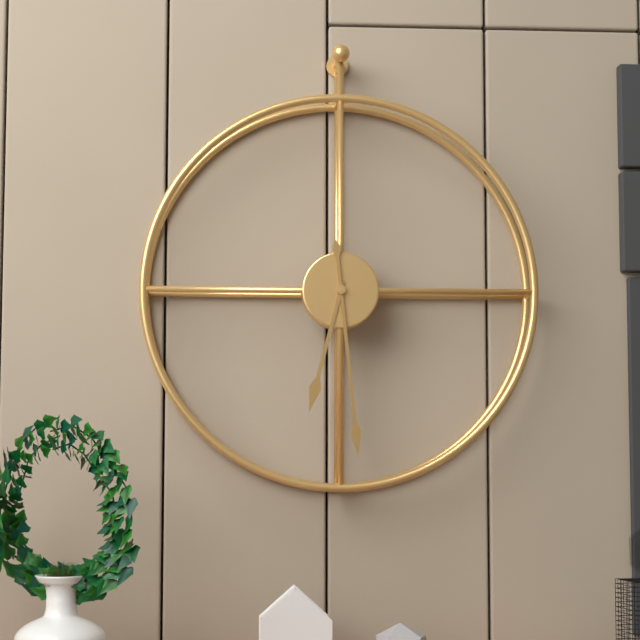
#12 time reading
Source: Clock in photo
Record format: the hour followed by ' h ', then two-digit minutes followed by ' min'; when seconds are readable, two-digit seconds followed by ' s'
6 h 29 min
